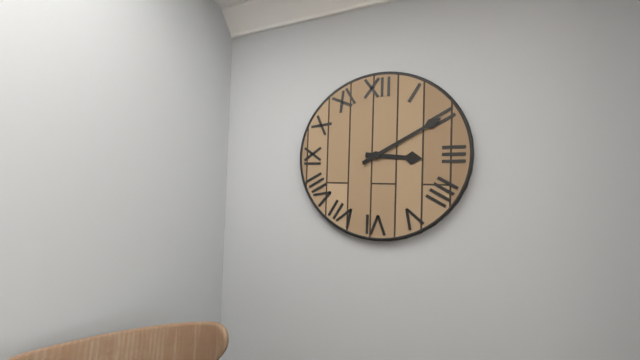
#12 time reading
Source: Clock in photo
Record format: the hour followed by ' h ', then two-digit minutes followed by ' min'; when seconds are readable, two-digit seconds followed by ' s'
3 h 10 min
